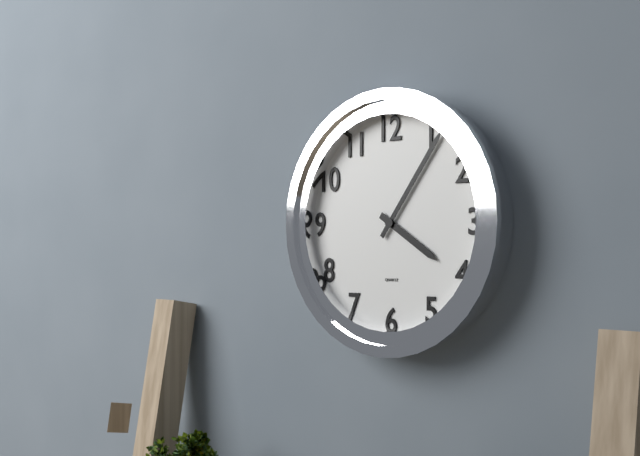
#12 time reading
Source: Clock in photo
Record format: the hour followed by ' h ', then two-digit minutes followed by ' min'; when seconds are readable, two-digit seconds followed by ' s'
4 h 06 min
